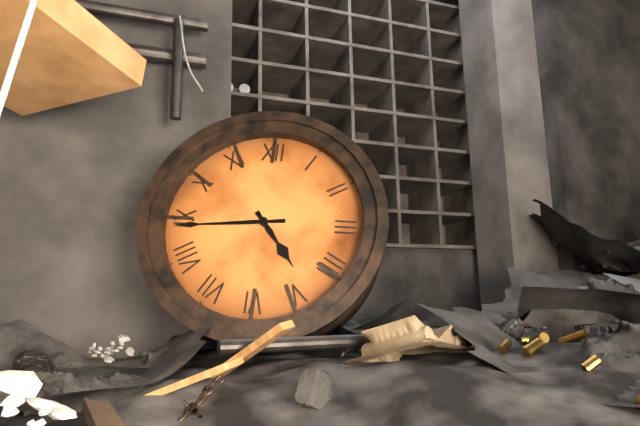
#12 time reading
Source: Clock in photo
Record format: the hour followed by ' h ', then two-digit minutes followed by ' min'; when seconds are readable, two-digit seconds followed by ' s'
4 h 44 min
